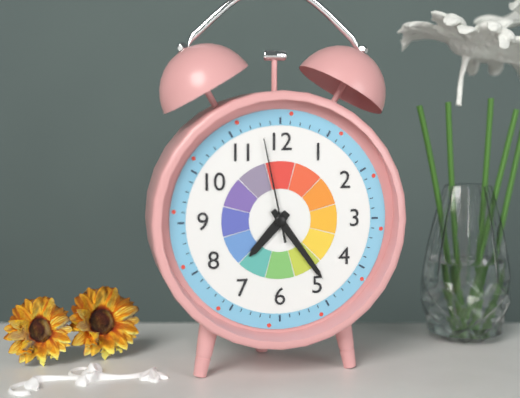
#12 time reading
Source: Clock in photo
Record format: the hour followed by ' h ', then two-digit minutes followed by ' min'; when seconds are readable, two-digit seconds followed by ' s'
7 h 24 min 58 s
